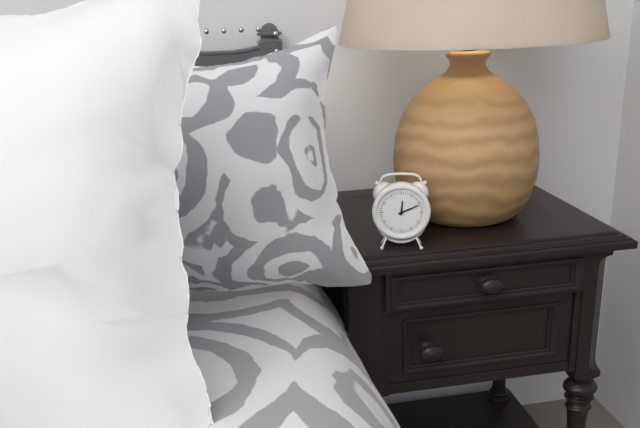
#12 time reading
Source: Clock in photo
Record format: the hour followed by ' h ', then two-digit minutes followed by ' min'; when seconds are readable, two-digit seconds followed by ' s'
12 h 11 min
